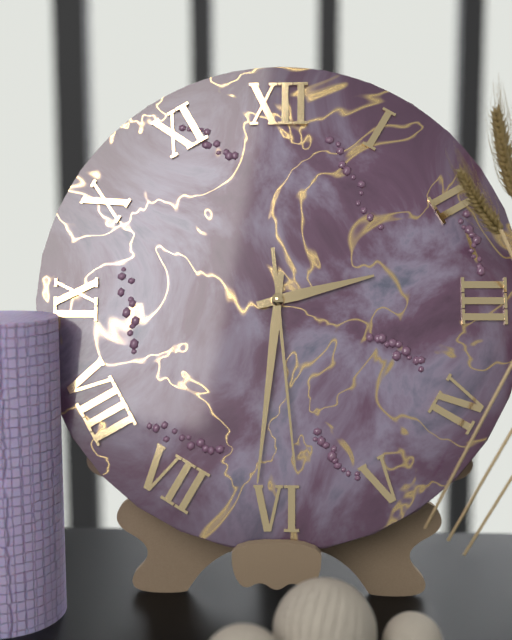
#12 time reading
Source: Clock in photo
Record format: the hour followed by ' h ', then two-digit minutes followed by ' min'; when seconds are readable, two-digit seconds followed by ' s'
2 h 31 min 29 s
